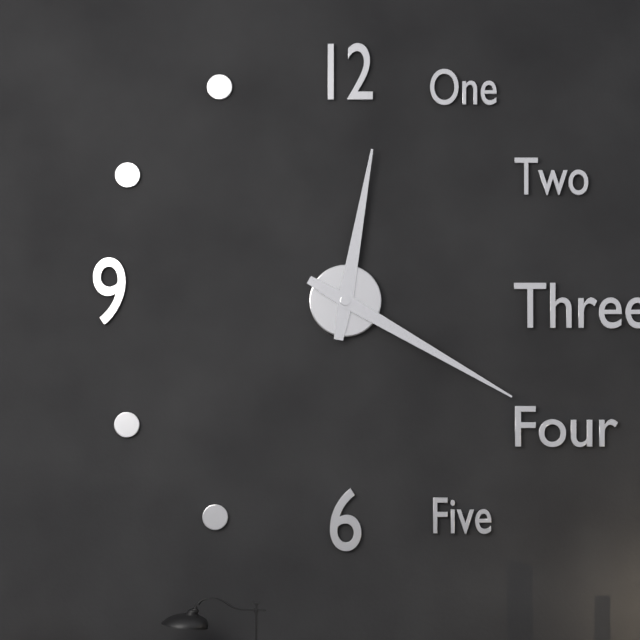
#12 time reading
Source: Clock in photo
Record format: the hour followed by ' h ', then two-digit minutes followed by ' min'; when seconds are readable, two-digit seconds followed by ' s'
12 h 20 min
